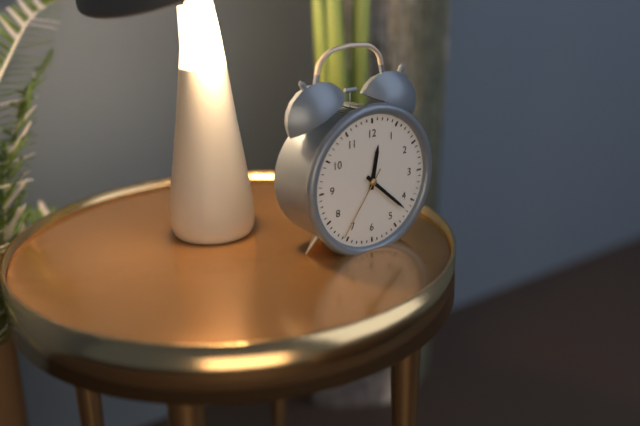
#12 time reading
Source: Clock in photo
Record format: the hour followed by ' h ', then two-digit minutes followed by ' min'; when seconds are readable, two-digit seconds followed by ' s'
12 h 22 min 36 s
